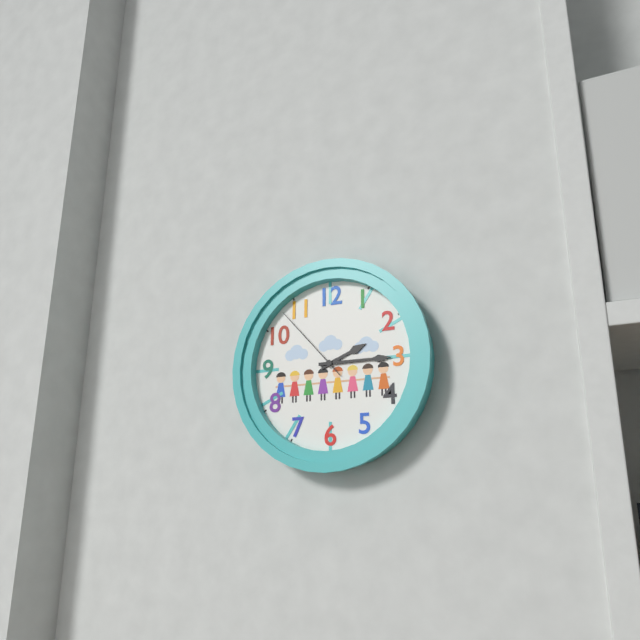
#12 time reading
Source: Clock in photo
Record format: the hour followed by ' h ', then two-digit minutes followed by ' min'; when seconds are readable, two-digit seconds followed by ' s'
2 h 15 min 53 s
